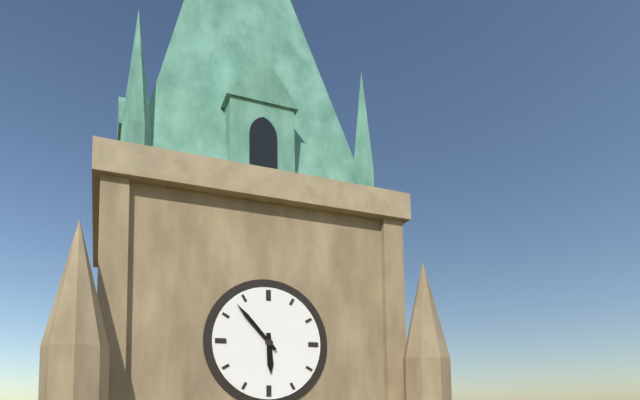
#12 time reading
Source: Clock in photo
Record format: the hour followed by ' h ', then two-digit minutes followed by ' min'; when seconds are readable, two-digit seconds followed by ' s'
5 h 53 min
